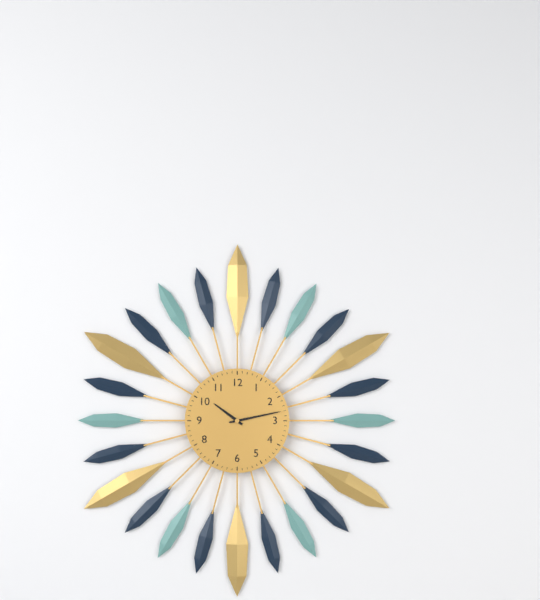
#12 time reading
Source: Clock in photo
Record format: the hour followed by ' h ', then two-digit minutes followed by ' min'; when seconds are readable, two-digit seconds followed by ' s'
10 h 13 min
